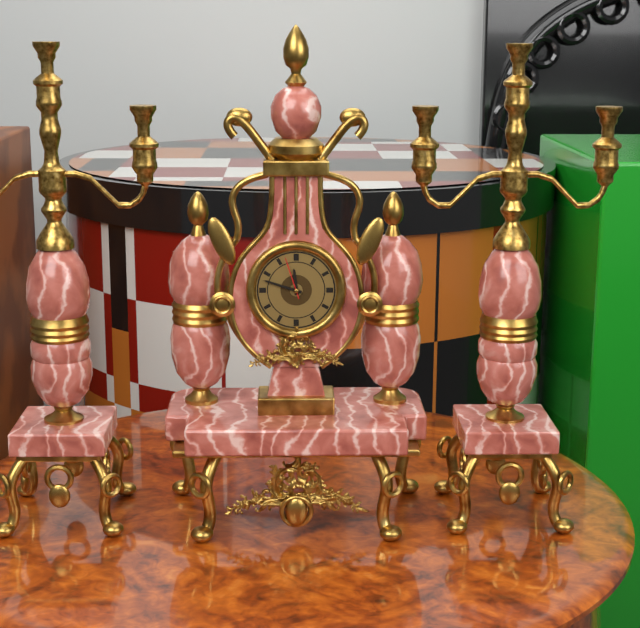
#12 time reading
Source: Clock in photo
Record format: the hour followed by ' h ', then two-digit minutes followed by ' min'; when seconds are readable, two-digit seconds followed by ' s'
11 h 48 min
